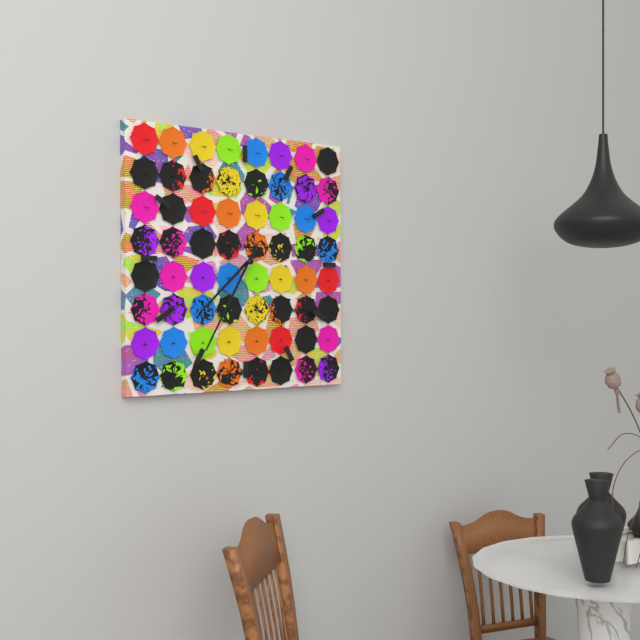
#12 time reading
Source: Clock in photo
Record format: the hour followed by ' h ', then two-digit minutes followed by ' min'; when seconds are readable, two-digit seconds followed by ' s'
7 h 35 min
